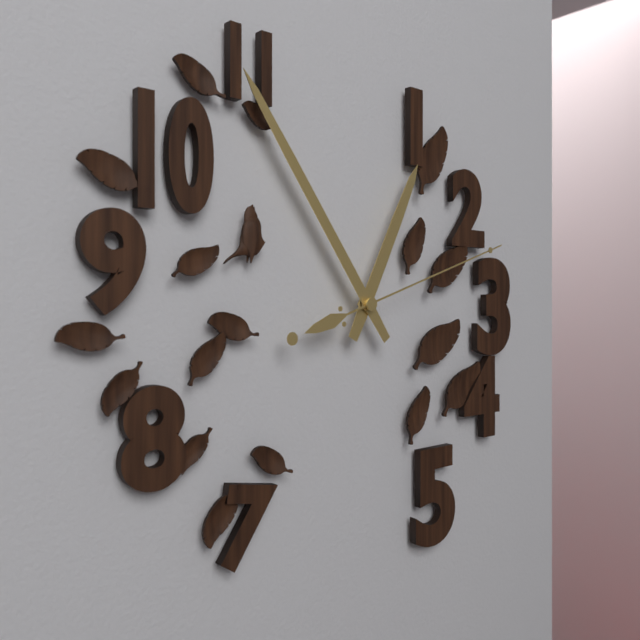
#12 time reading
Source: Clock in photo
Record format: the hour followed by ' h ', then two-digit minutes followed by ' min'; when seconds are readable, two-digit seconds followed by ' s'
12 h 54 min 12 s
